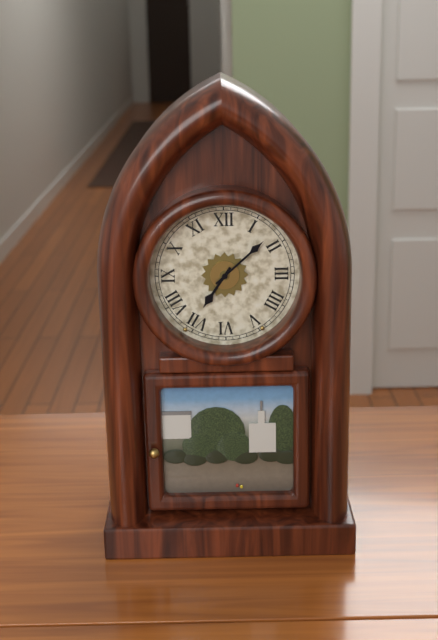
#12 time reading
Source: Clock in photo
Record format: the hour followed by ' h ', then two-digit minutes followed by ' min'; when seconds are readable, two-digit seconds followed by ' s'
7 h 08 min
